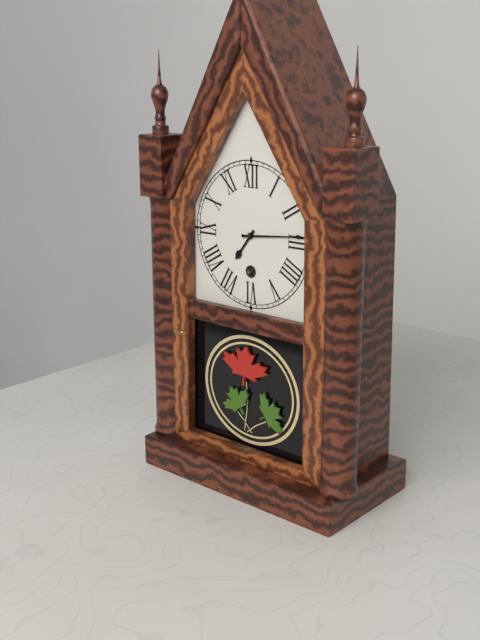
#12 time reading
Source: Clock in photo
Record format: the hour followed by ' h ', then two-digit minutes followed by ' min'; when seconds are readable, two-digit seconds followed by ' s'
7 h 14 min
